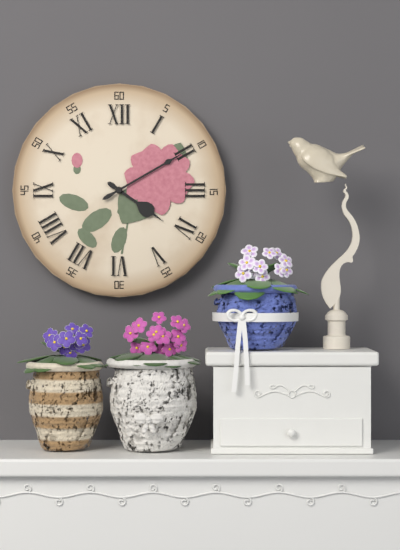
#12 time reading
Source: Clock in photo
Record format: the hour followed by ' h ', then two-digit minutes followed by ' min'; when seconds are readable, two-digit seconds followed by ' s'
4 h 10 min
